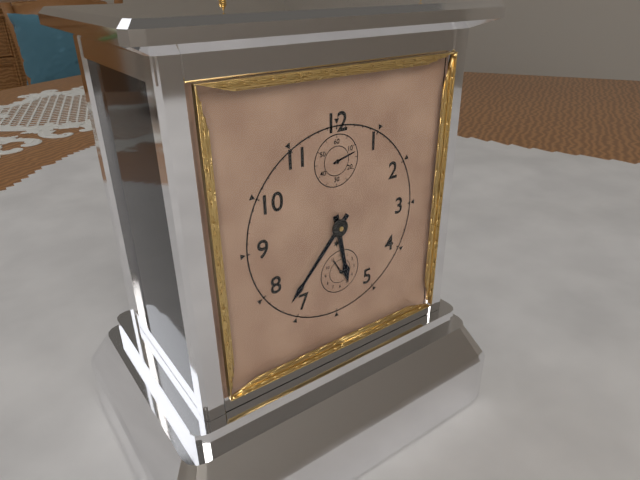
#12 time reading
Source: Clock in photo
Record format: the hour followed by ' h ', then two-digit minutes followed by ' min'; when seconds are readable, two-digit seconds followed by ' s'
5 h 37 min
